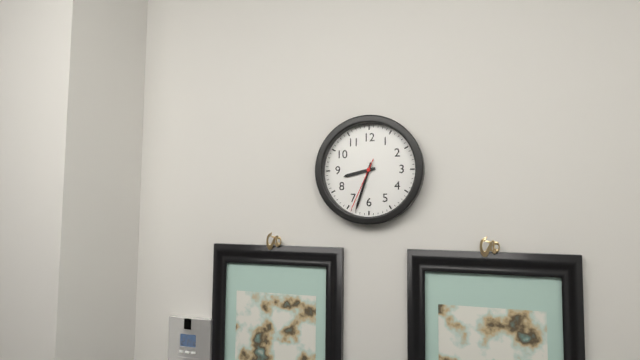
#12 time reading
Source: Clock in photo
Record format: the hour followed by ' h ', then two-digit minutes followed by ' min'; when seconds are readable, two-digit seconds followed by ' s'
8 h 33 min 34 s
